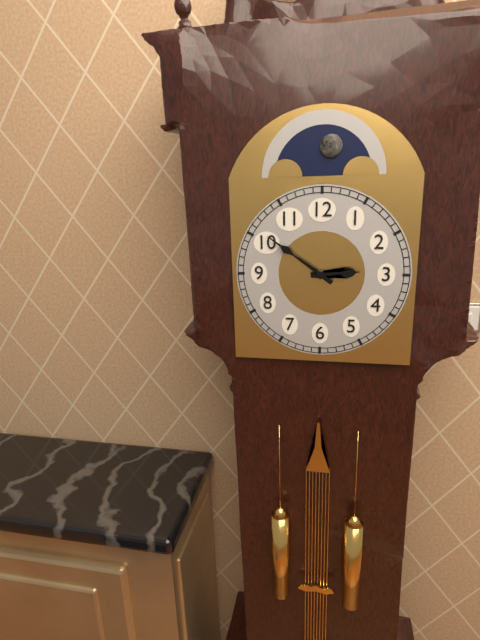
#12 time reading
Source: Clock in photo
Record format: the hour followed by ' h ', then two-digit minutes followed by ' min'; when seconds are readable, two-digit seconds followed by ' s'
2 h 51 min
